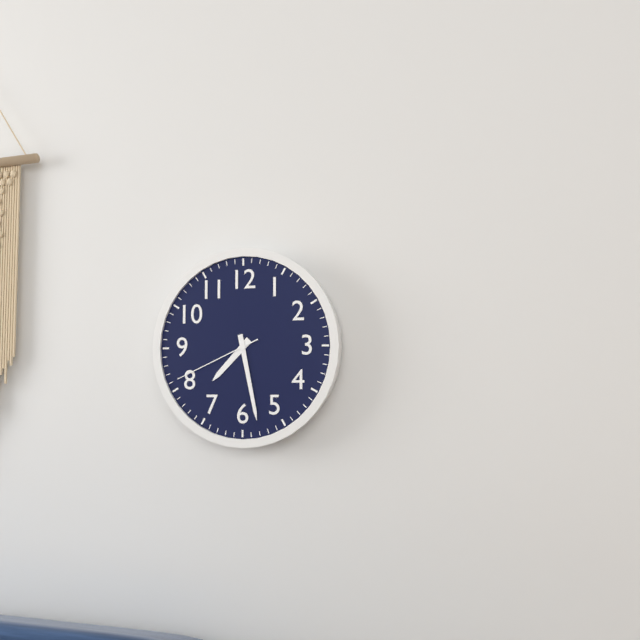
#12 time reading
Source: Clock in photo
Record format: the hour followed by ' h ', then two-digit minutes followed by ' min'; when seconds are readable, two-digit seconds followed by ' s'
7 h 28 min 41 s
